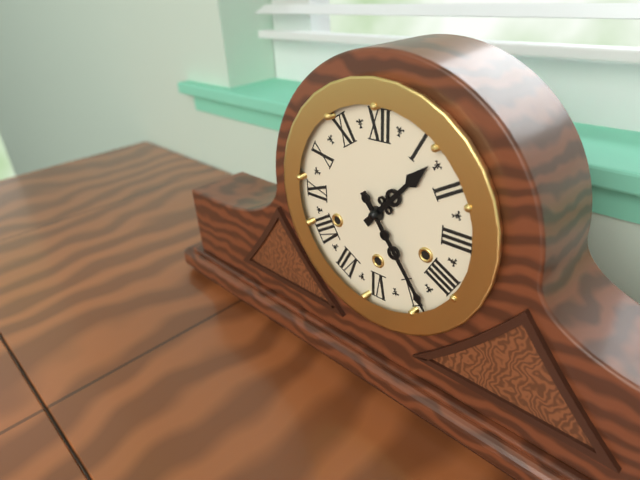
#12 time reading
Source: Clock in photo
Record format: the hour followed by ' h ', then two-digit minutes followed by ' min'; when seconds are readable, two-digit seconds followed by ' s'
1 h 24 min
